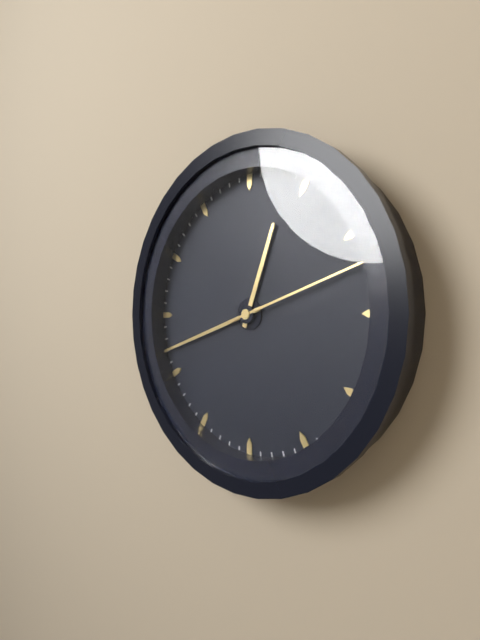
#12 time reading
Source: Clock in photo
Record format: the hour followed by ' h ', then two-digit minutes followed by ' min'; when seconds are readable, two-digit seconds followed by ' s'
12 h 42 min 12 s
